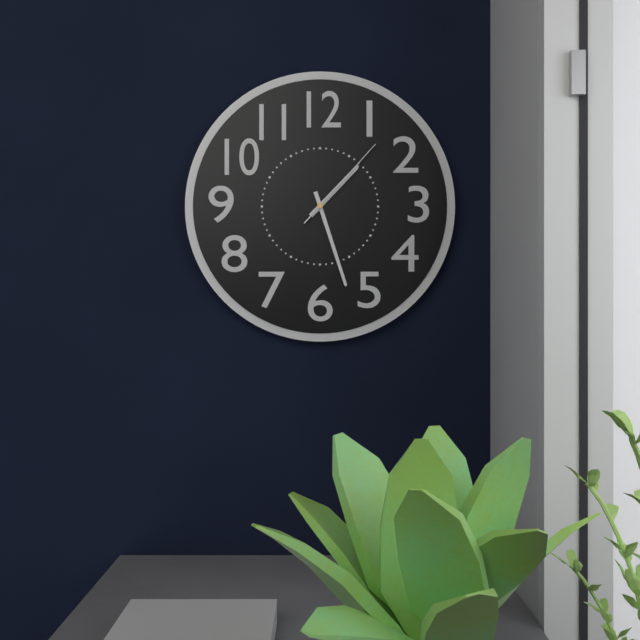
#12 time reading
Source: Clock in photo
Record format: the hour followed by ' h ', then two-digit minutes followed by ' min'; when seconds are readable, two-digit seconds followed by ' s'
1 h 27 min 07 s
